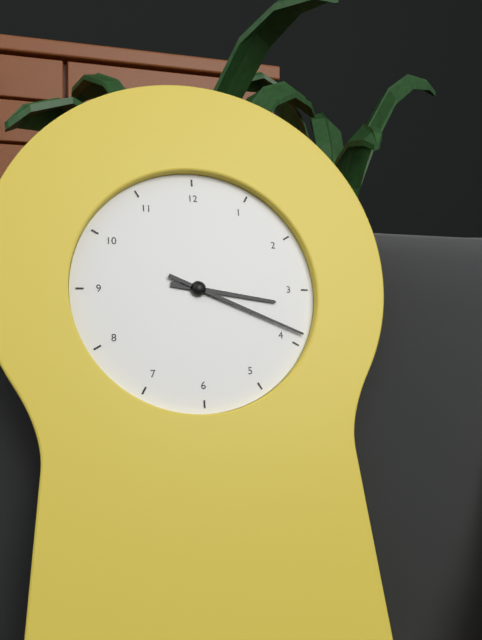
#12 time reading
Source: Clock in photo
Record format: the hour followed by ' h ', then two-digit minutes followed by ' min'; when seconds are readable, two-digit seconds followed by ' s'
3 h 19 min
